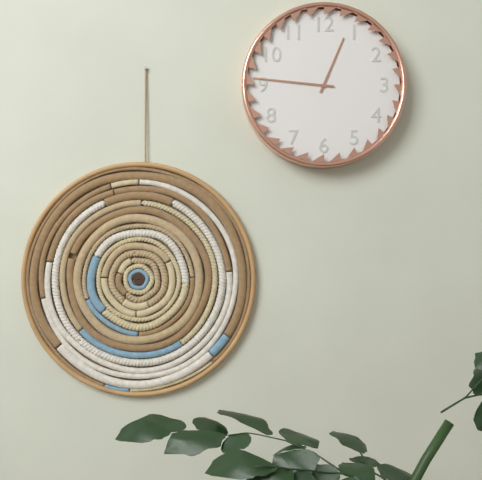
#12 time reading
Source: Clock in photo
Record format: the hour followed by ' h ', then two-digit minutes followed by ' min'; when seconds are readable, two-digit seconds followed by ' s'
12 h 46 min
